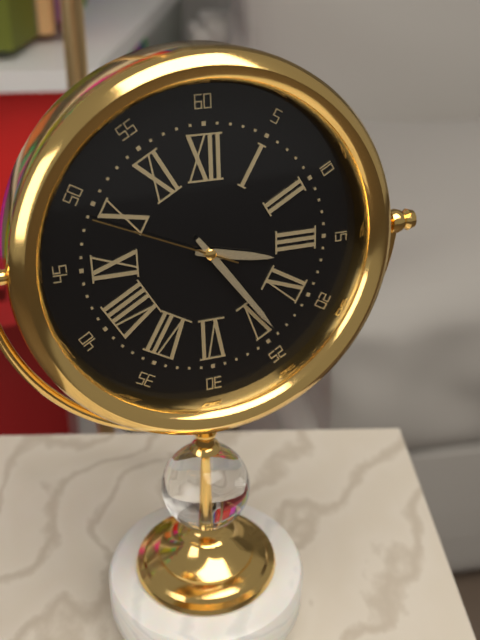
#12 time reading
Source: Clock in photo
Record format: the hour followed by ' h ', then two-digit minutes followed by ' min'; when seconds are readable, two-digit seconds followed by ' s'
3 h 24 min 49 s
